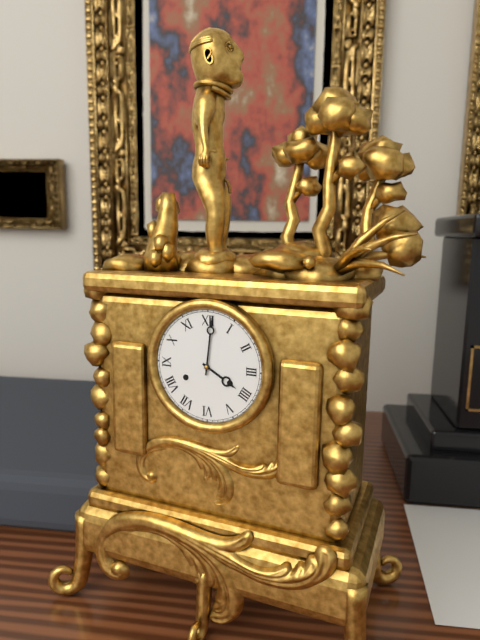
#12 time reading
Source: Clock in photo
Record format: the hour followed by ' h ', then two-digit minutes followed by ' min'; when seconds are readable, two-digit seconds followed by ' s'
4 h 01 min
